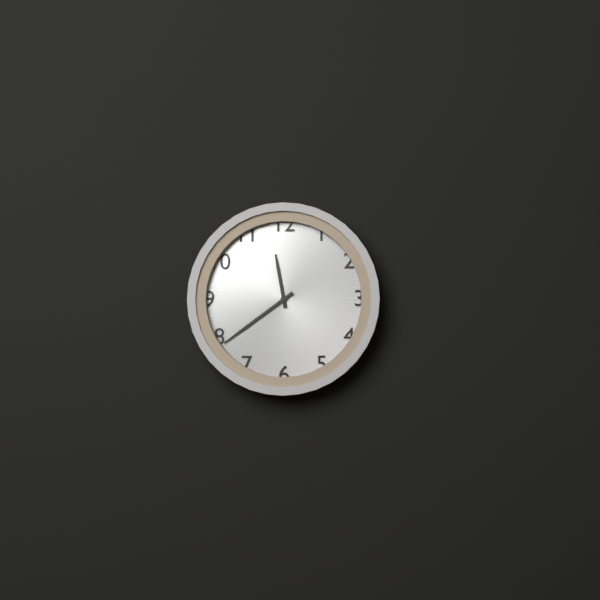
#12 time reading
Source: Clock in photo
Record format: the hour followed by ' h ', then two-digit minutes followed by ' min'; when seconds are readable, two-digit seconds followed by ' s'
11 h 39 min
